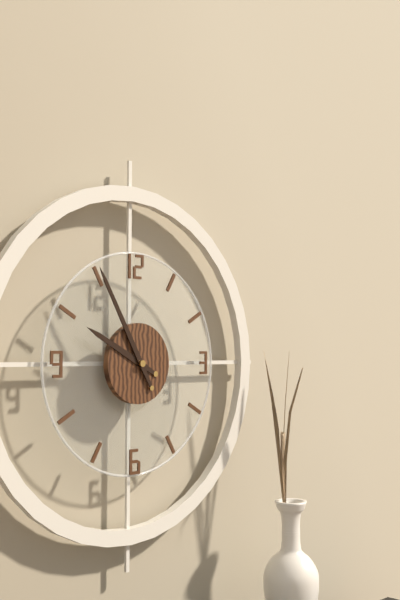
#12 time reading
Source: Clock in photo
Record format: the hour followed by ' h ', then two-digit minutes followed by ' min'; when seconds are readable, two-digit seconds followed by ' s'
9 h 55 min
